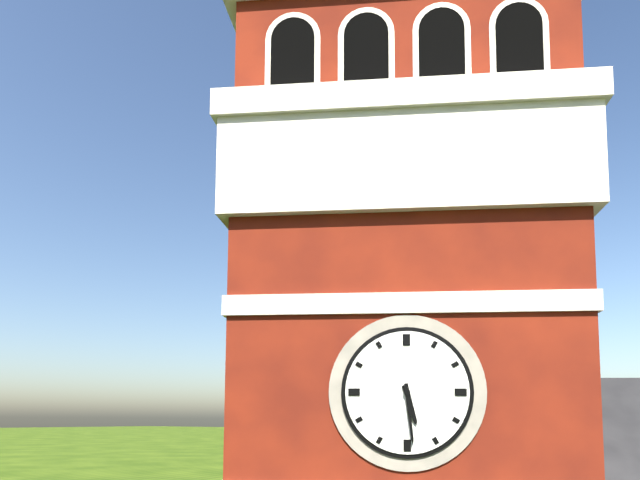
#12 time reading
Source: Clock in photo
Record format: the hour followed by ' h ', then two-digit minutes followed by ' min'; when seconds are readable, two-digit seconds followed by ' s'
5 h 29 min
